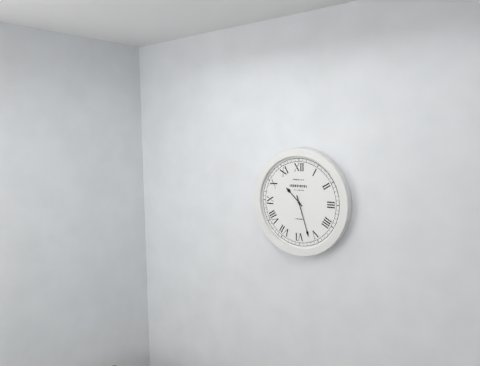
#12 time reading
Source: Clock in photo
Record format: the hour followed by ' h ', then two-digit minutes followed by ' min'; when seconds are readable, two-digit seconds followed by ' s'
10 h 27 min
